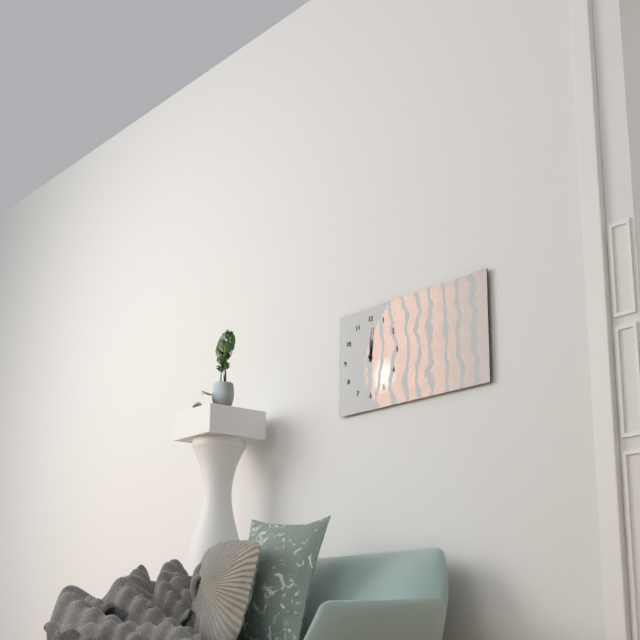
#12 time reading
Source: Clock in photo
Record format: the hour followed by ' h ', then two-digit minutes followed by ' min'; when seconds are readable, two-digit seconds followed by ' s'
12 h 01 min
